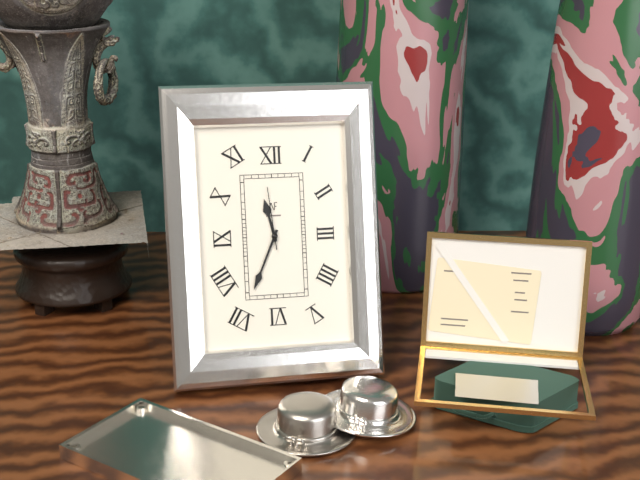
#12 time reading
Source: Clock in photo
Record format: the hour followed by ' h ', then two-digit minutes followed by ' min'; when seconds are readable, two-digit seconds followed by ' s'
11 h 34 min 59 s
